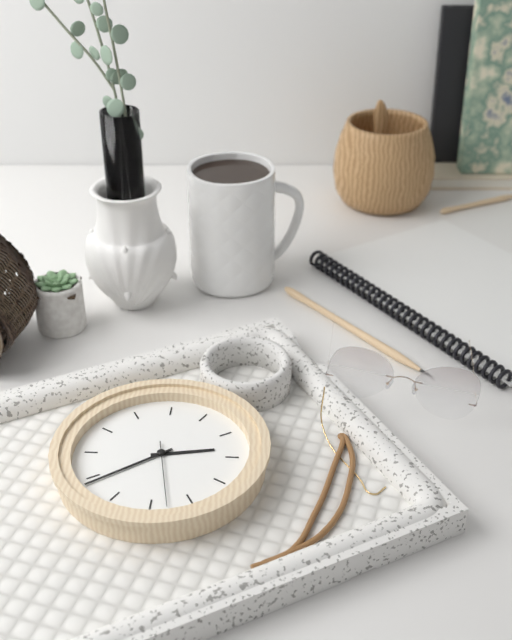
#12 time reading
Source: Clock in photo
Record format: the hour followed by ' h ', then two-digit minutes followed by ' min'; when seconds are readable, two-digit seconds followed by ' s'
2 h 39 min 28 s
